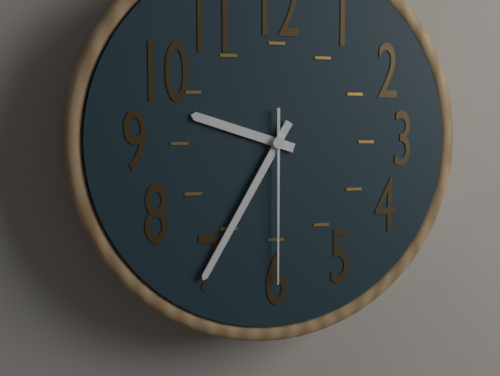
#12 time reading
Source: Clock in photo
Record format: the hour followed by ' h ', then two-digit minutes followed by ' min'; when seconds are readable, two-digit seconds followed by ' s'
9 h 35 min 30 s
